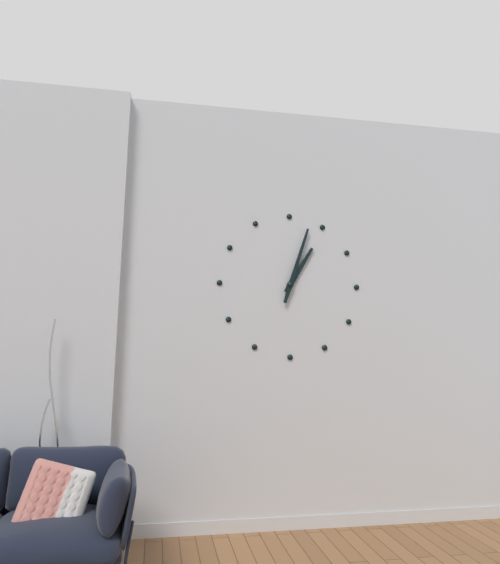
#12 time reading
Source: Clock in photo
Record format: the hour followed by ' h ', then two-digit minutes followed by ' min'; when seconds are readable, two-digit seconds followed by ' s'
1 h 03 min
